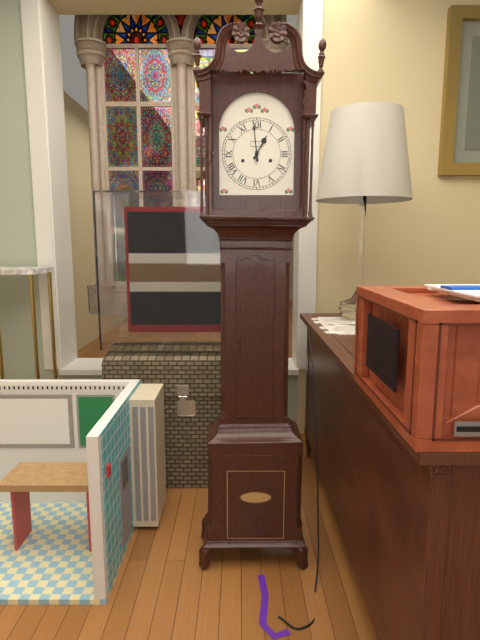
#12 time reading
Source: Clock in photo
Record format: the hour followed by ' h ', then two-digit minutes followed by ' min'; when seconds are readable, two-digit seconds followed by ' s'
12 h 59 min
